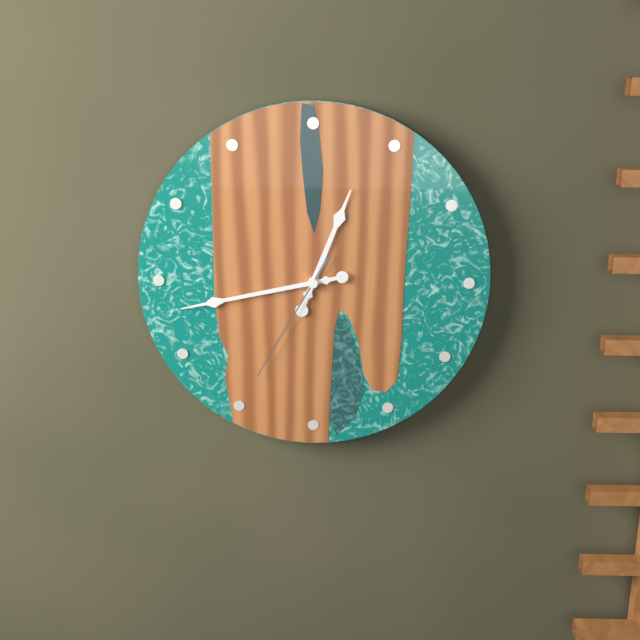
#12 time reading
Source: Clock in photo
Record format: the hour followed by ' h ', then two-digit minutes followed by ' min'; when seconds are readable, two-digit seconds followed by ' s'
12 h 43 min 35 s
